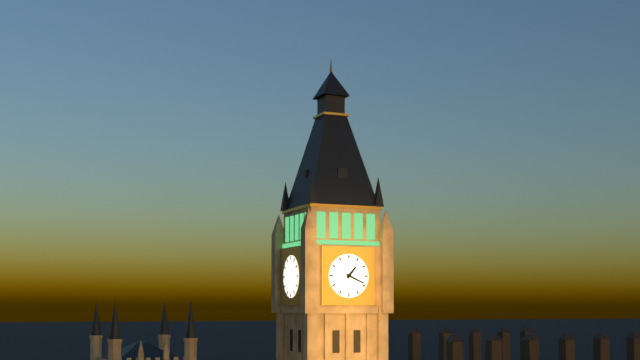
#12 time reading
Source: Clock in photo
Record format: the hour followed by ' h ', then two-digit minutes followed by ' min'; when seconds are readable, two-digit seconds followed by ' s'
1 h 19 min
